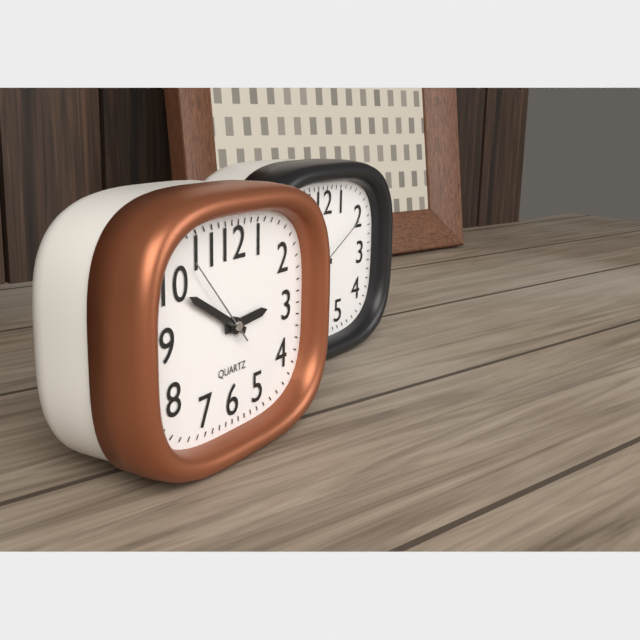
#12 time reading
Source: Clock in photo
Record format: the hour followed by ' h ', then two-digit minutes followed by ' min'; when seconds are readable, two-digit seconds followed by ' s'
2 h 50 min 53 s
